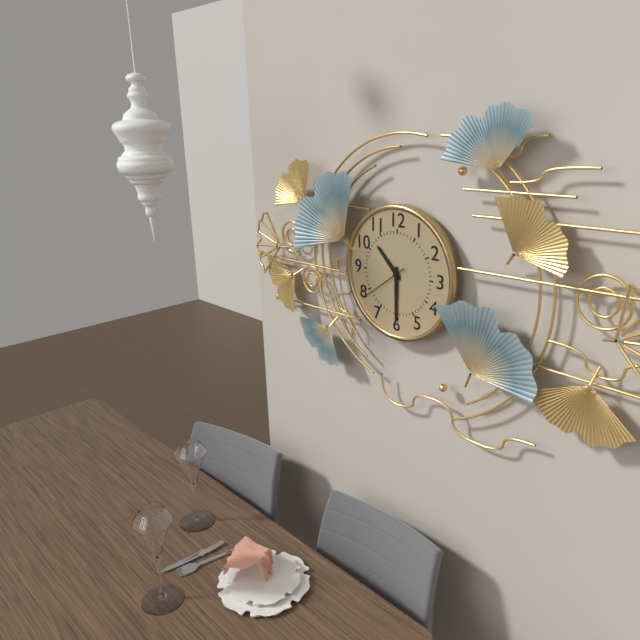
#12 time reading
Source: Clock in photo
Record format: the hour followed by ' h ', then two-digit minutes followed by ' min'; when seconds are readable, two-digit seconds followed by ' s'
10 h 30 min 39 s
